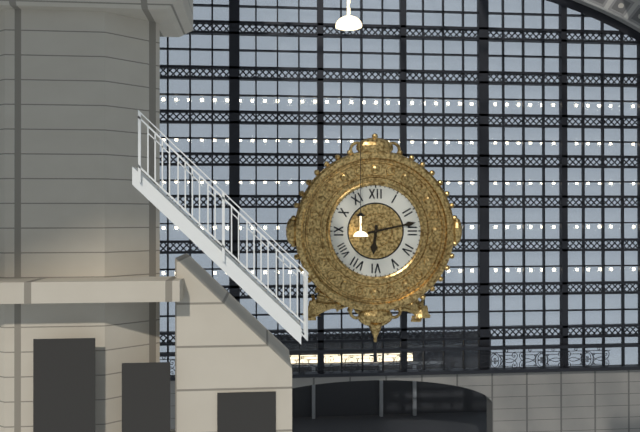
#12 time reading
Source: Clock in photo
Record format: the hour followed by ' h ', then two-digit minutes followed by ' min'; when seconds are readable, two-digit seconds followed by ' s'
6 h 13 min
